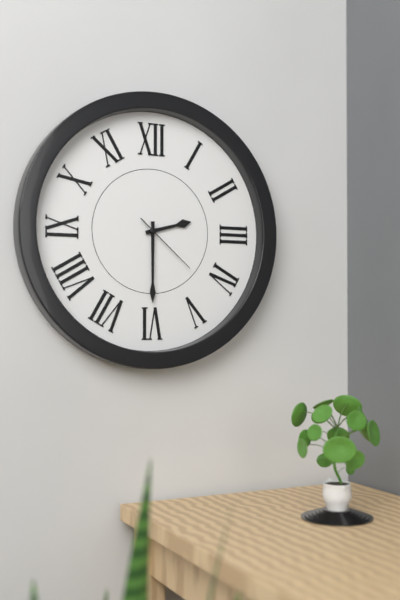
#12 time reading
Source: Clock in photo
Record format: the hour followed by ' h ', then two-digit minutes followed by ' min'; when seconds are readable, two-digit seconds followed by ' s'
2 h 30 min 22 s
